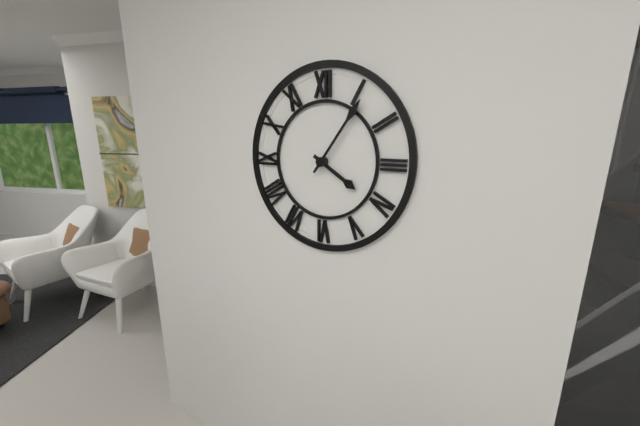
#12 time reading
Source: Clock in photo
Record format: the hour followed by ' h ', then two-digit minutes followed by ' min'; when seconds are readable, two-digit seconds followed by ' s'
4 h 06 min
